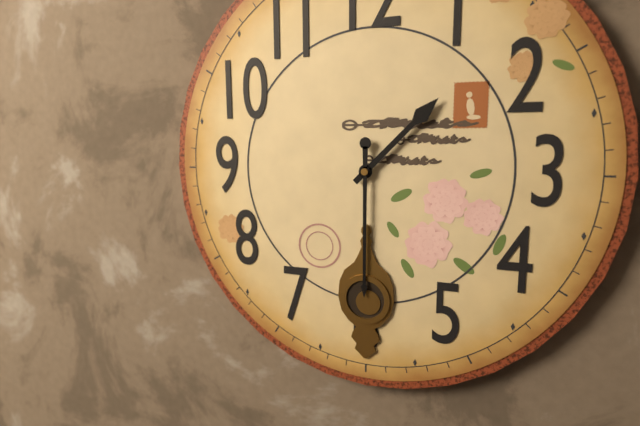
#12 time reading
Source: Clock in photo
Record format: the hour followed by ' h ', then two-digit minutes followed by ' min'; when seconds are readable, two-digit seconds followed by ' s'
1 h 30 min
